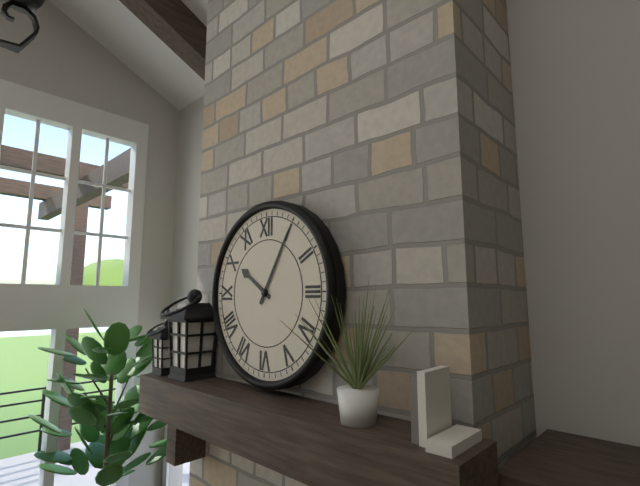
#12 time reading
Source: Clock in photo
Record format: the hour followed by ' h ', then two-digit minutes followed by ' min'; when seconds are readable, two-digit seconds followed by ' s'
10 h 05 min
